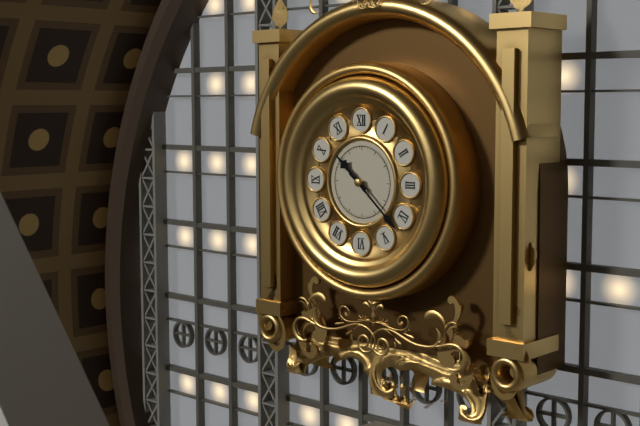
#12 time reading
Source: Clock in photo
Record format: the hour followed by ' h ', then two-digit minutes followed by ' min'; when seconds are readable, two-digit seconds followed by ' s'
10 h 22 min
